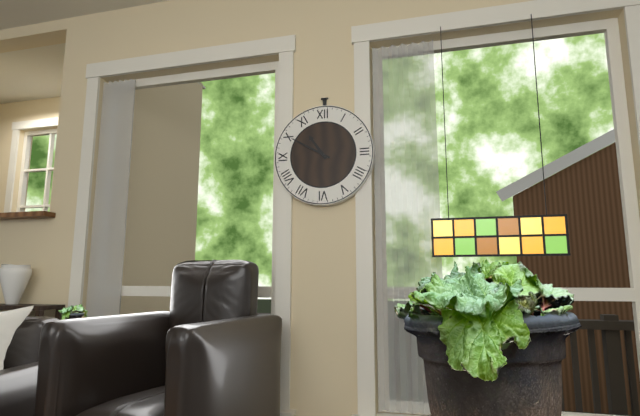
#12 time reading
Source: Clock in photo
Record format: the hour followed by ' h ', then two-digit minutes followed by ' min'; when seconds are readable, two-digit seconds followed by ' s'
10 h 50 min
